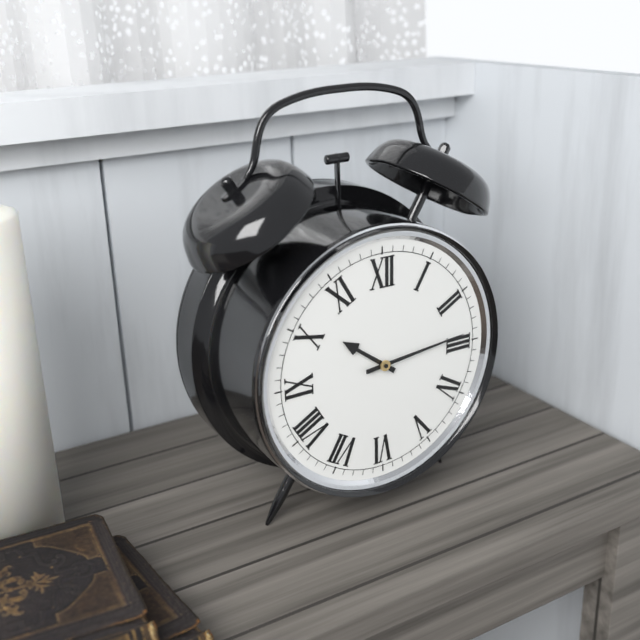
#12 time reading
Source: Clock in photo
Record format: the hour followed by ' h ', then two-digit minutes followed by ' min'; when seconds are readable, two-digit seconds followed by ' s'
10 h 14 min
